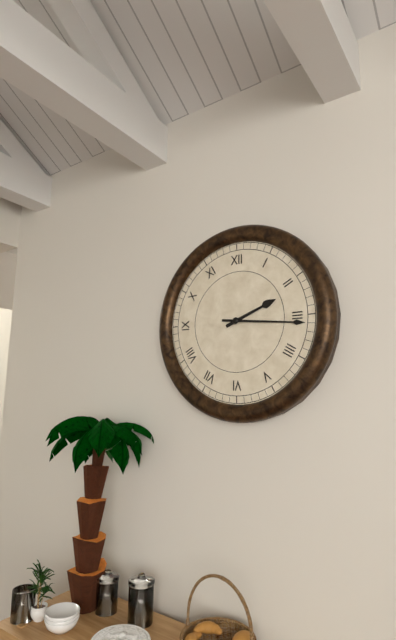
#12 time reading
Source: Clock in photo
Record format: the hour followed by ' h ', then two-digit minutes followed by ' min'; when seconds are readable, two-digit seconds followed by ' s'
2 h 16 min
